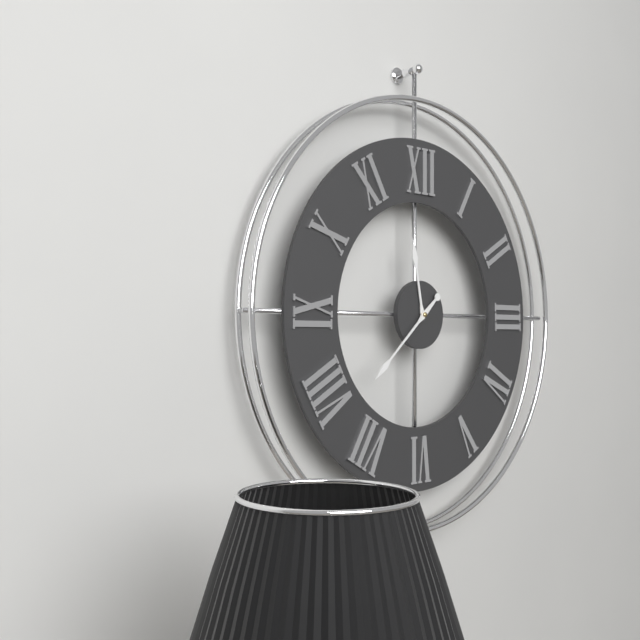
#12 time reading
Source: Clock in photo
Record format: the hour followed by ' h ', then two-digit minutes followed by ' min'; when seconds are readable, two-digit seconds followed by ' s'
11 h 38 min
